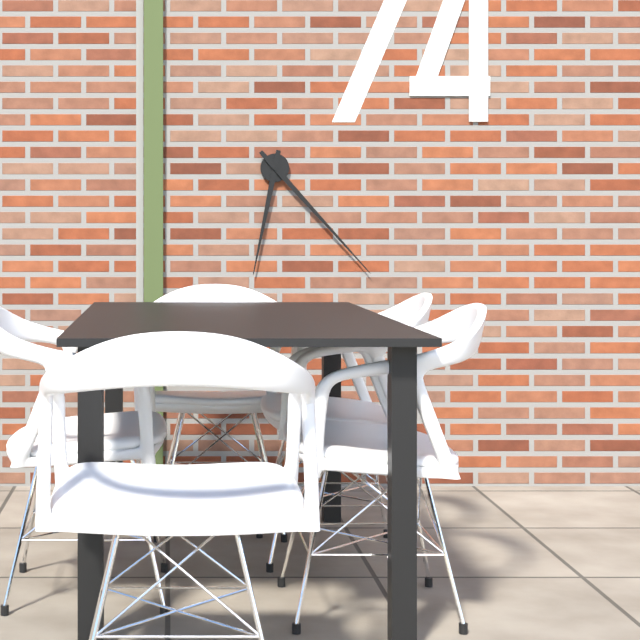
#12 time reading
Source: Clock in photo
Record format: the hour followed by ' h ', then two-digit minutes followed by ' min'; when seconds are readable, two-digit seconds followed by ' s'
6 h 23 min
